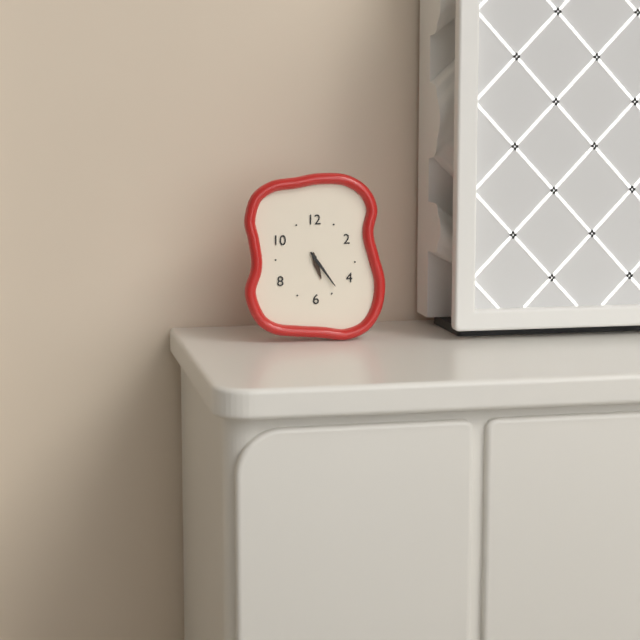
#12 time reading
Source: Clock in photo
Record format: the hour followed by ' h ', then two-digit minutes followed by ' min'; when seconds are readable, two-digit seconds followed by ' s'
5 h 24 min
